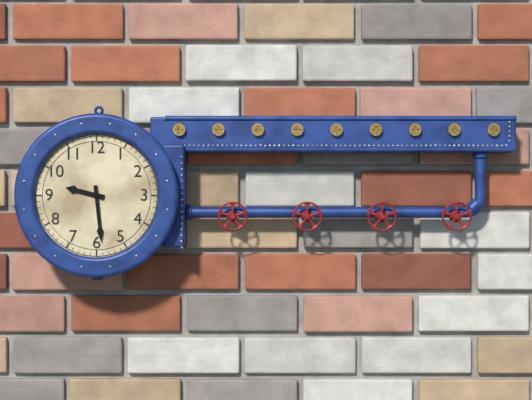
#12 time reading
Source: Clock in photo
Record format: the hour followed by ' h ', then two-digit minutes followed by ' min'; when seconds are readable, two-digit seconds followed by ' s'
9 h 29 min
